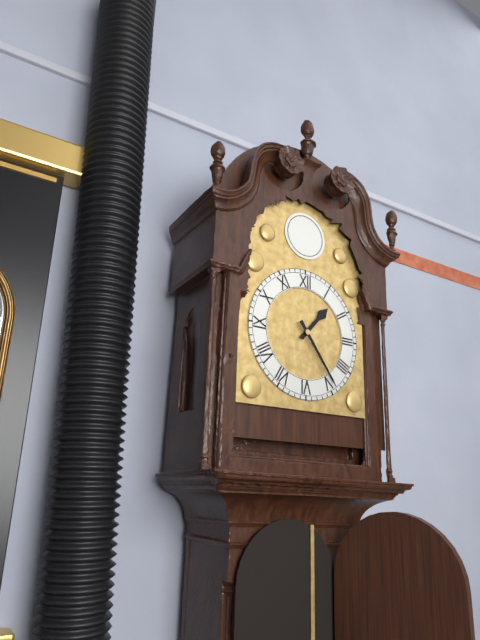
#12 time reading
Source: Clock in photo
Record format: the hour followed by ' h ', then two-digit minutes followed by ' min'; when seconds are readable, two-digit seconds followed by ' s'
1 h 24 min
